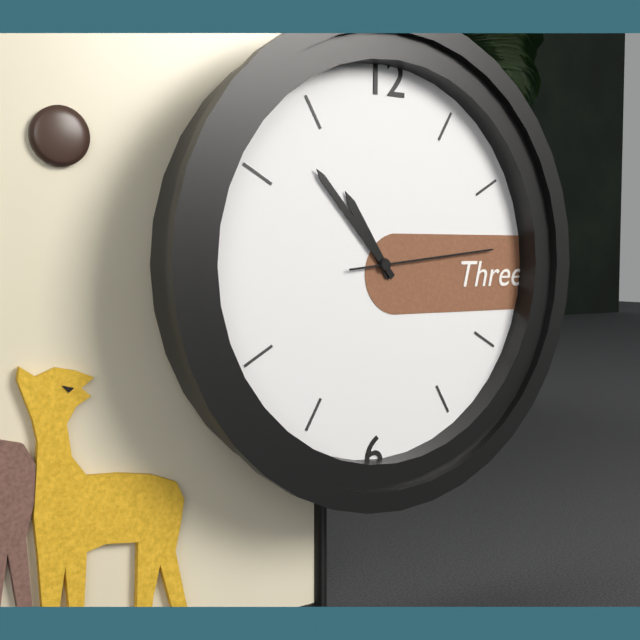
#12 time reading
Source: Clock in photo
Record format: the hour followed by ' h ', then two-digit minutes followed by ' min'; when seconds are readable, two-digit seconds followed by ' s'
10 h 53 min 14 s
